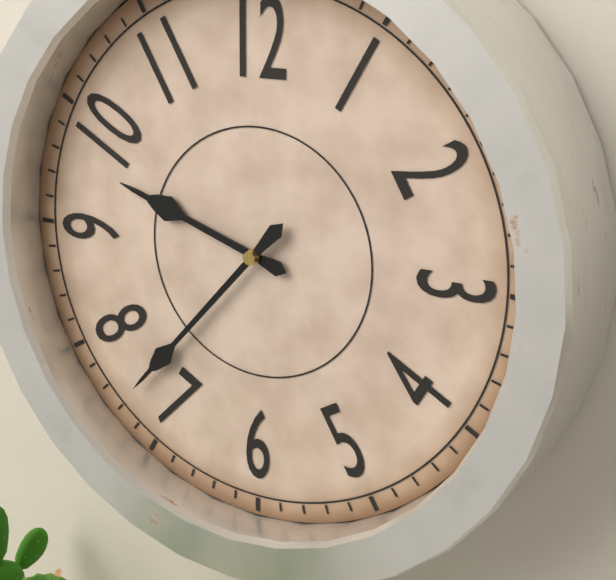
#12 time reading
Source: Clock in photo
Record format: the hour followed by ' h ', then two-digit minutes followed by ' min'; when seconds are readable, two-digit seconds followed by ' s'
9 h 37 min
